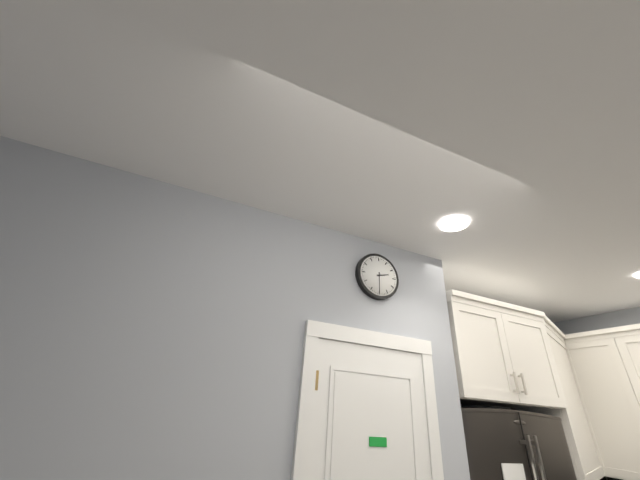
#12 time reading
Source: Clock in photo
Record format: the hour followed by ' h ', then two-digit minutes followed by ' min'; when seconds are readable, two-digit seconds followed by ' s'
2 h 30 min
